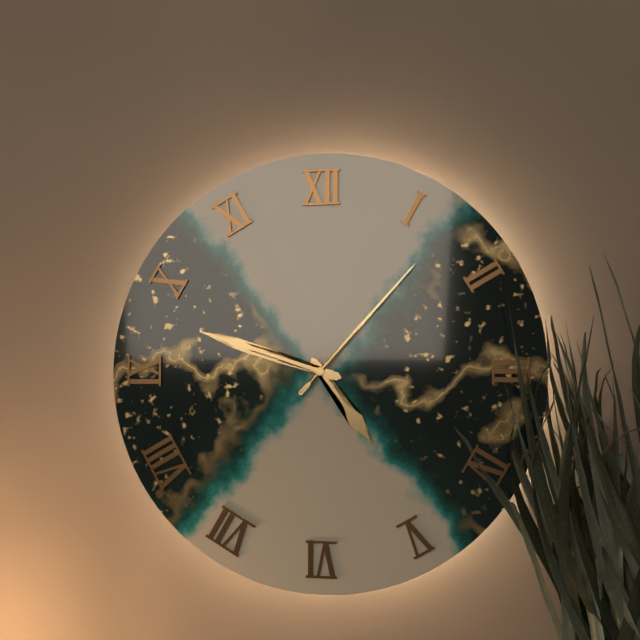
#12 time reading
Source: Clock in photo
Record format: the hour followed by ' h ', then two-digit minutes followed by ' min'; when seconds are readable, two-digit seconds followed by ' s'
4 h 48 min 07 s
